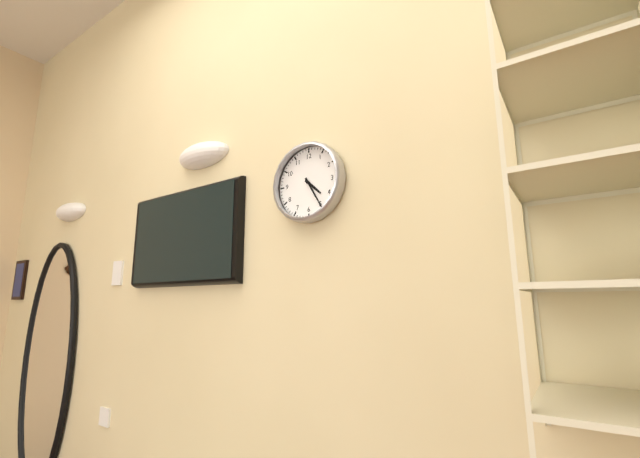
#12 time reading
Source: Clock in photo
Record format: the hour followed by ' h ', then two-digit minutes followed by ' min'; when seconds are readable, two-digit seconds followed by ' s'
4 h 25 min
